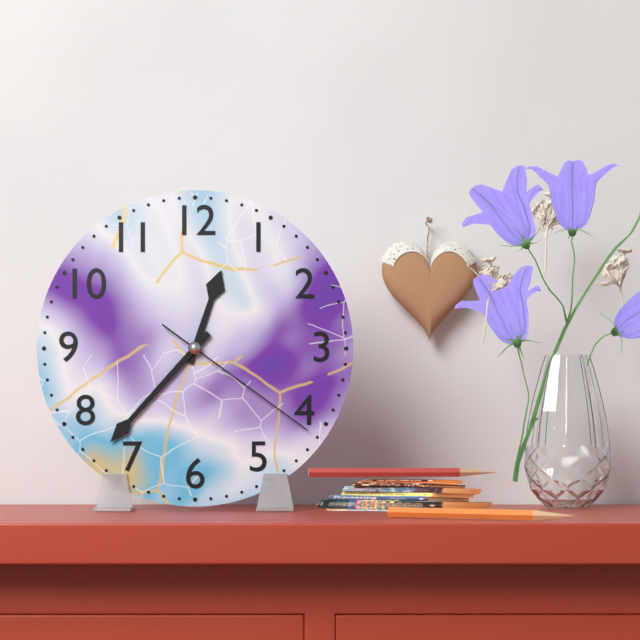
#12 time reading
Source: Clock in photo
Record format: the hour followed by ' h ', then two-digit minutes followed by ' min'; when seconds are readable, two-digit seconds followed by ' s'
12 h 37 min 21 s
